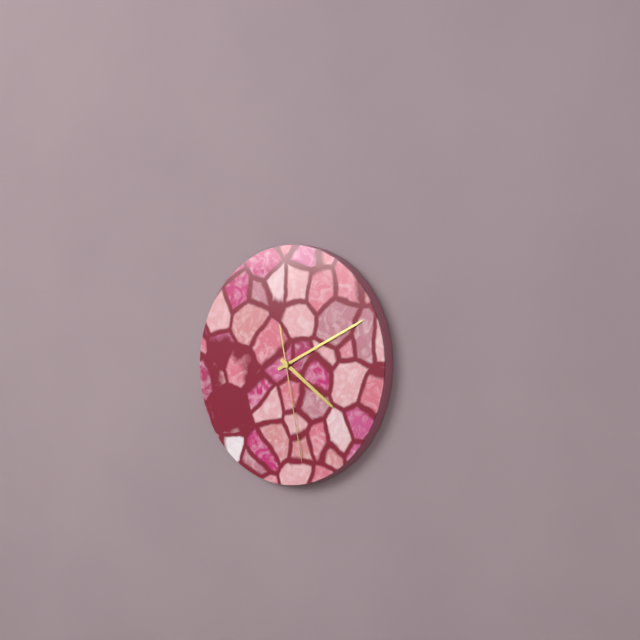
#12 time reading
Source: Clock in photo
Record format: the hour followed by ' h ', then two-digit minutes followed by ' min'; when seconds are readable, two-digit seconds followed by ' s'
4 h 11 min 28 s
